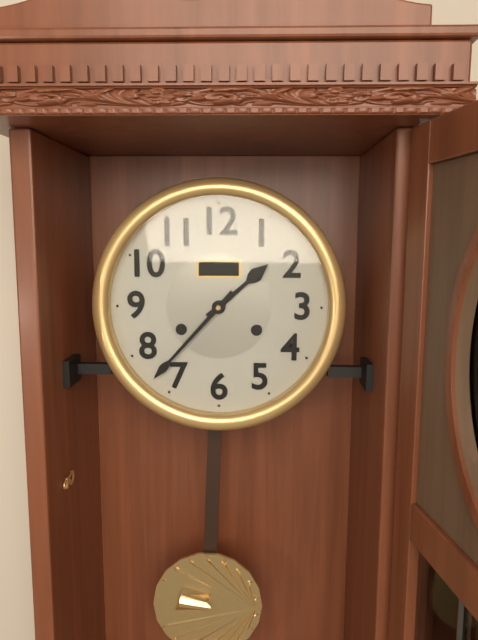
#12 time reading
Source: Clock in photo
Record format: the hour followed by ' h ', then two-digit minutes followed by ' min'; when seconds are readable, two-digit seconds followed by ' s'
1 h 37 min
